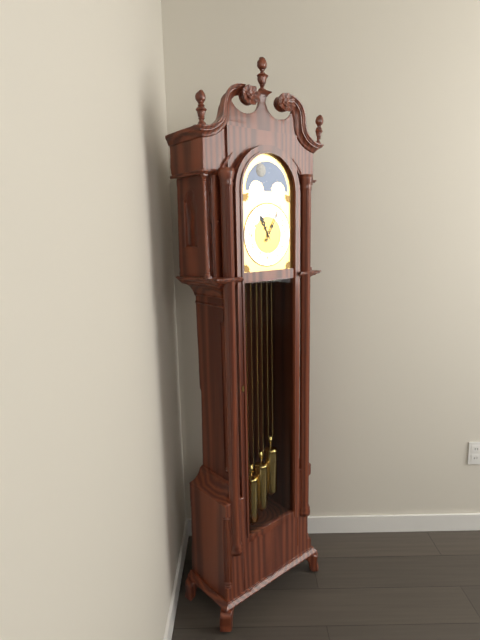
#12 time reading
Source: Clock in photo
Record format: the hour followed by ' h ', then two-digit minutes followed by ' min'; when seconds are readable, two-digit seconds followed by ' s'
11 h 05 min
